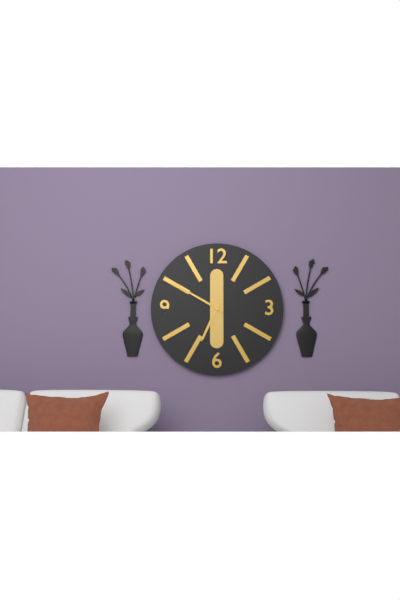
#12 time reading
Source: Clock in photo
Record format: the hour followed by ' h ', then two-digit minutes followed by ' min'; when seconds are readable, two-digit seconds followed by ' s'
6 h 50 min
